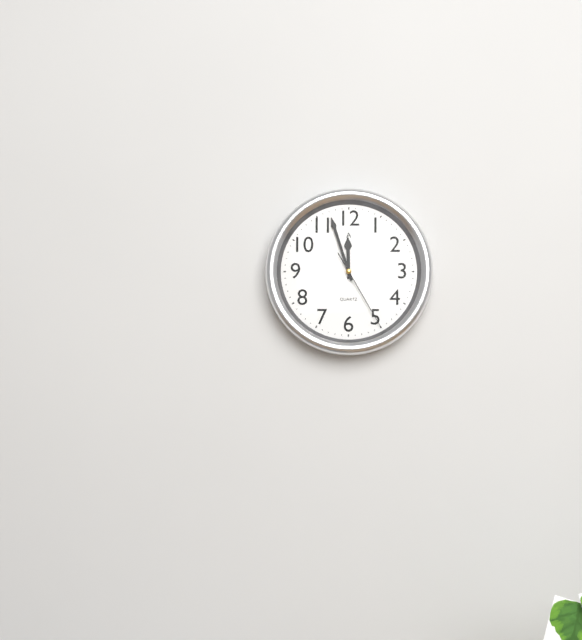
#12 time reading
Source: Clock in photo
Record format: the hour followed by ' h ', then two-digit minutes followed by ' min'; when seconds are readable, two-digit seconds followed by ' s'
11 h 57 min 25 s
